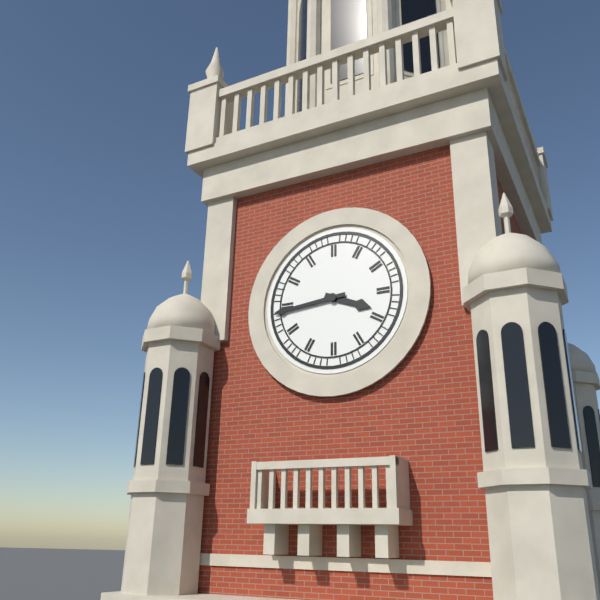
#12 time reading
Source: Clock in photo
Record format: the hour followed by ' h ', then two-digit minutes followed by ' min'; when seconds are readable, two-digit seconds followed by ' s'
3 h 44 min
